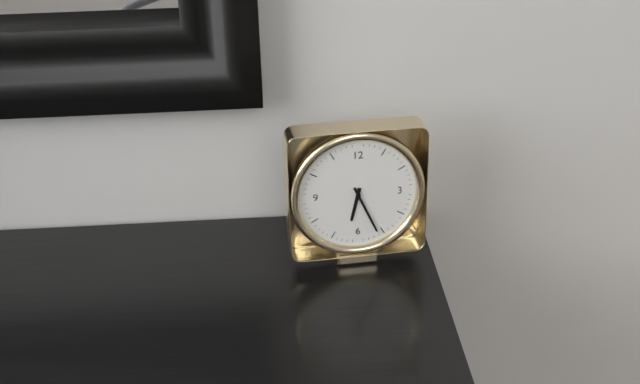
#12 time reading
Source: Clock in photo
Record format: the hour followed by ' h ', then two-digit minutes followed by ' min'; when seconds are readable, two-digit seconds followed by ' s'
6 h 26 min
